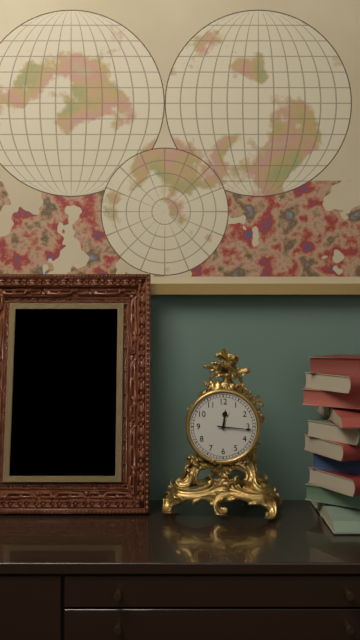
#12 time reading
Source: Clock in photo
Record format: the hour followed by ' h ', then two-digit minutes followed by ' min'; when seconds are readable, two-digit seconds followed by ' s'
12 h 16 min
